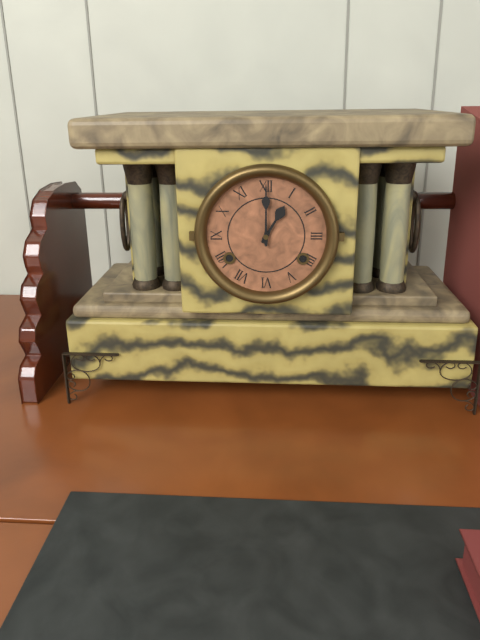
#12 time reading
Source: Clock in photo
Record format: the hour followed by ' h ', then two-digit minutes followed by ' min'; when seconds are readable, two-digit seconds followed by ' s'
1 h 00 min
